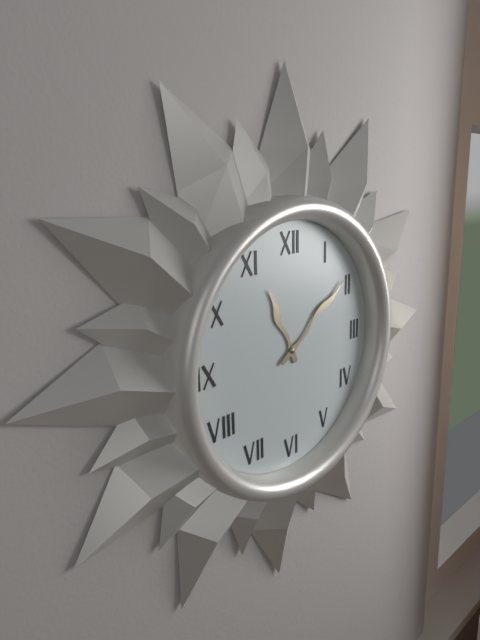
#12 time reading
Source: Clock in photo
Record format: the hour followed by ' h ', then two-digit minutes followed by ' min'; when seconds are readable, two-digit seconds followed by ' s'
11 h 09 min
